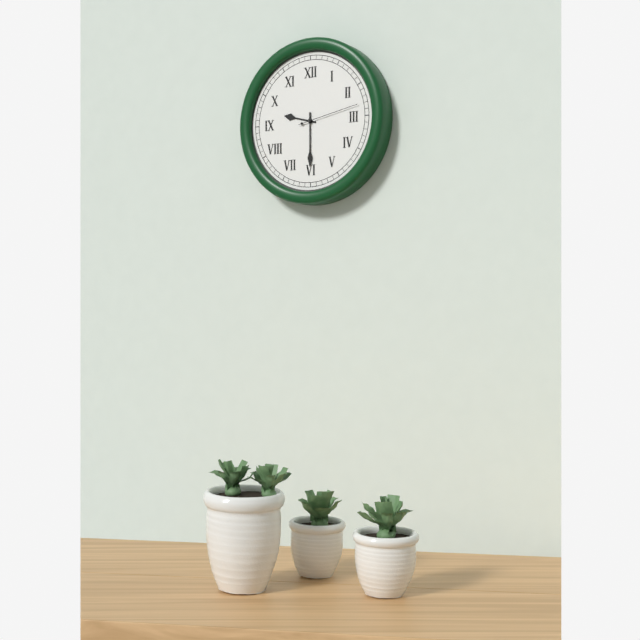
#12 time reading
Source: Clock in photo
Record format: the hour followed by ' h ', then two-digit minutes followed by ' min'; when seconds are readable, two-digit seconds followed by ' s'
9 h 30 min 13 s
